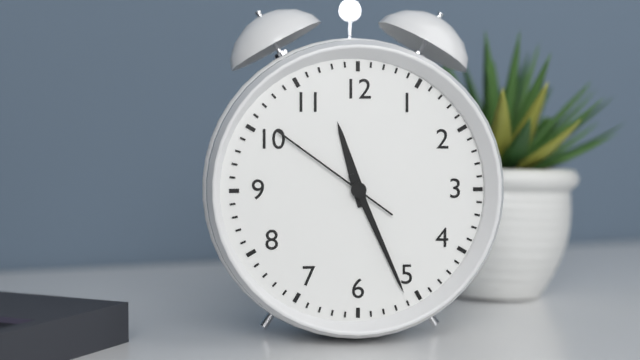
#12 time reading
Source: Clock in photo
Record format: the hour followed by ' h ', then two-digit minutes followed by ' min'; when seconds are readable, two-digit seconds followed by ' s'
11 h 26 min 51 s
